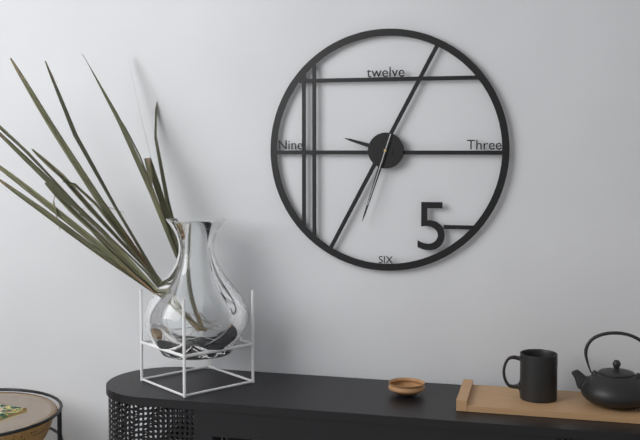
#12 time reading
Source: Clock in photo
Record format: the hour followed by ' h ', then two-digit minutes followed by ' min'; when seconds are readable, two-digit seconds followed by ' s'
9 h 33 min 33 s
